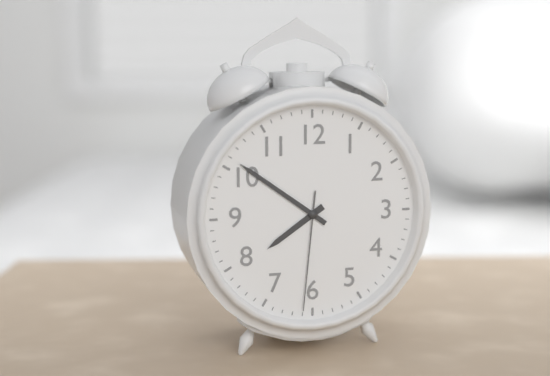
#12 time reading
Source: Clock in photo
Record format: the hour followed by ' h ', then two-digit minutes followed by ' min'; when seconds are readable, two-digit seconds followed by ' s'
7 h 51 min 31 s
